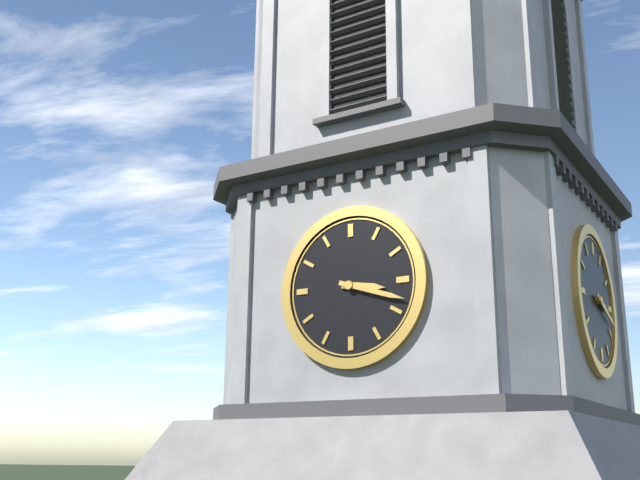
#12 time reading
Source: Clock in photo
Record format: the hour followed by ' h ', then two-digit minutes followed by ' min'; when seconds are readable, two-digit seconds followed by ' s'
3 h 18 min
